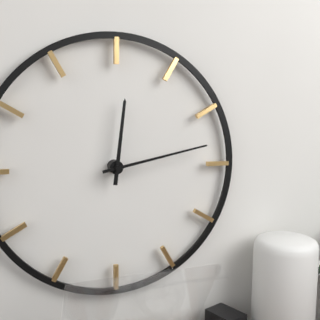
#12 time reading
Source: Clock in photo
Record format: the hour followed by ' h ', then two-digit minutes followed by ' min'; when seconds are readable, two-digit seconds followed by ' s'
12 h 13 min
